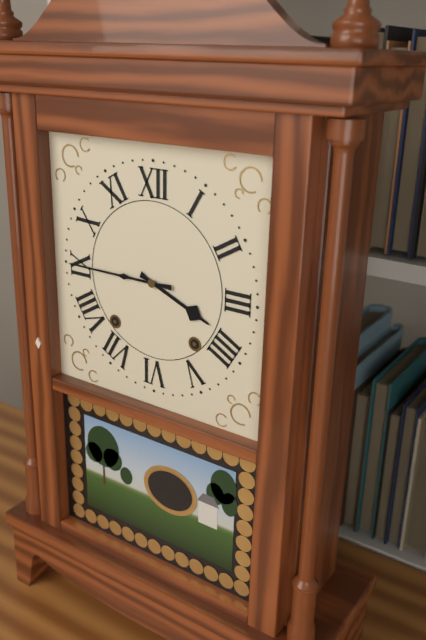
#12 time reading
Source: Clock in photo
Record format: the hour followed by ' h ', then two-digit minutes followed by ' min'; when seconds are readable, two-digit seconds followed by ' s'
3 h 45 min
